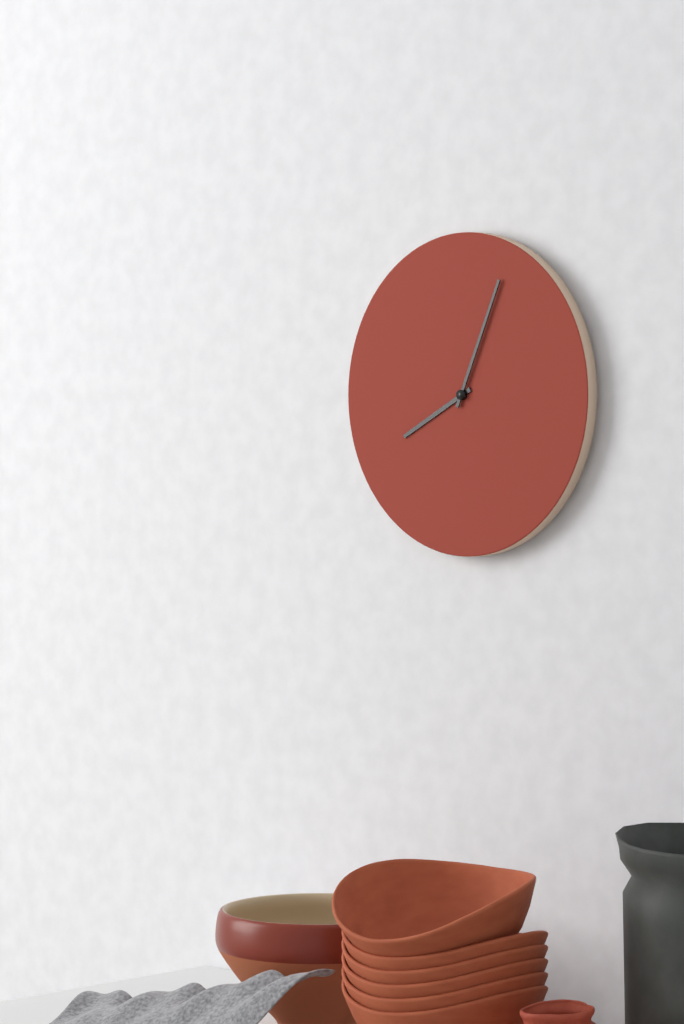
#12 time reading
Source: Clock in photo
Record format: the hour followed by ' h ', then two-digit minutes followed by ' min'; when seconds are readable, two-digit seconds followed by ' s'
8 h 04 min
